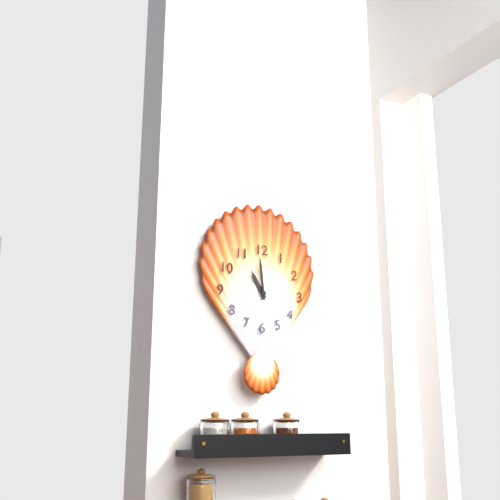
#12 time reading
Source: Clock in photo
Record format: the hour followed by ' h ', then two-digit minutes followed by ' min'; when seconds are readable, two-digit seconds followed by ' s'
10 h 59 min
